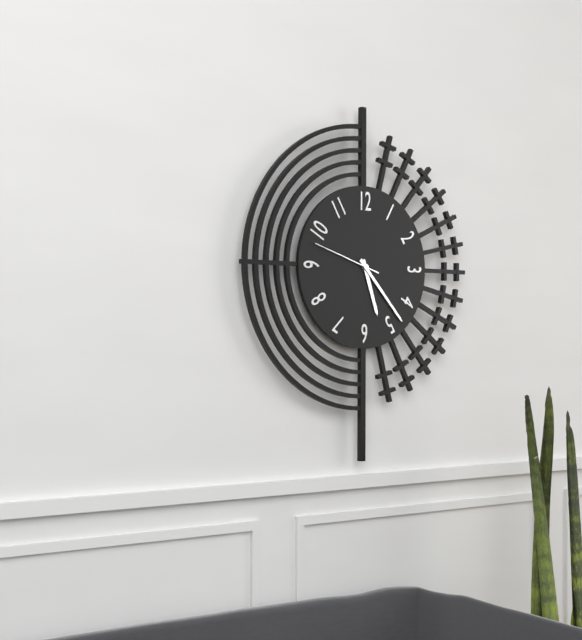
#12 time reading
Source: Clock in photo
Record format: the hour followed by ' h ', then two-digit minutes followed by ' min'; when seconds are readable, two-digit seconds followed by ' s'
5 h 23 min 48 s
